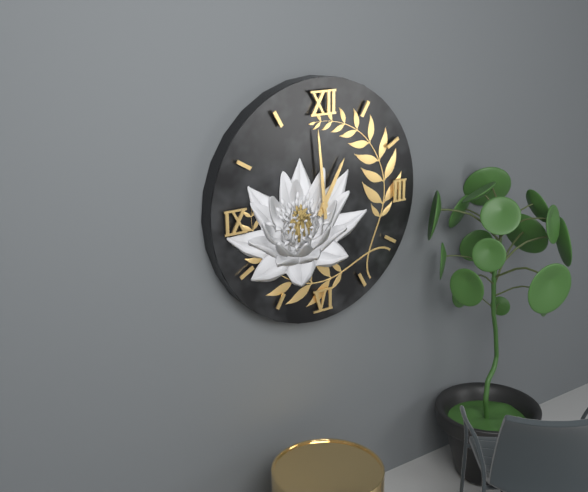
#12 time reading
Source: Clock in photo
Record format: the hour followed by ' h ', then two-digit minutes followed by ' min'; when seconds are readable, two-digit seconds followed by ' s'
12 h 59 min
